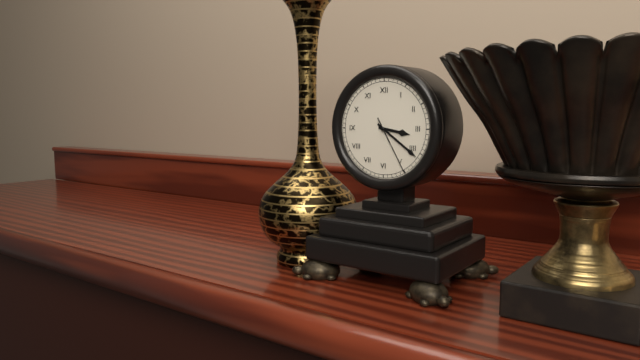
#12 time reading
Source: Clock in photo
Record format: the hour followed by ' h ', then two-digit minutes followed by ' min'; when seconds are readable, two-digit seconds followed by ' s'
3 h 21 min 25 s
